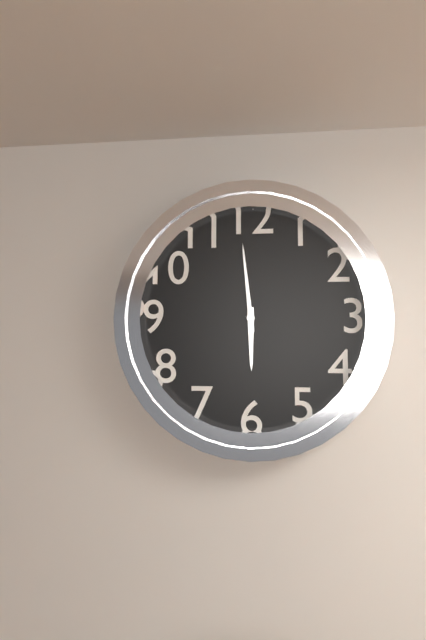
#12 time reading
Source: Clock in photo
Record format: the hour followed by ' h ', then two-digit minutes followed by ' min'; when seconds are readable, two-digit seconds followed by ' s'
5 h 59 min
